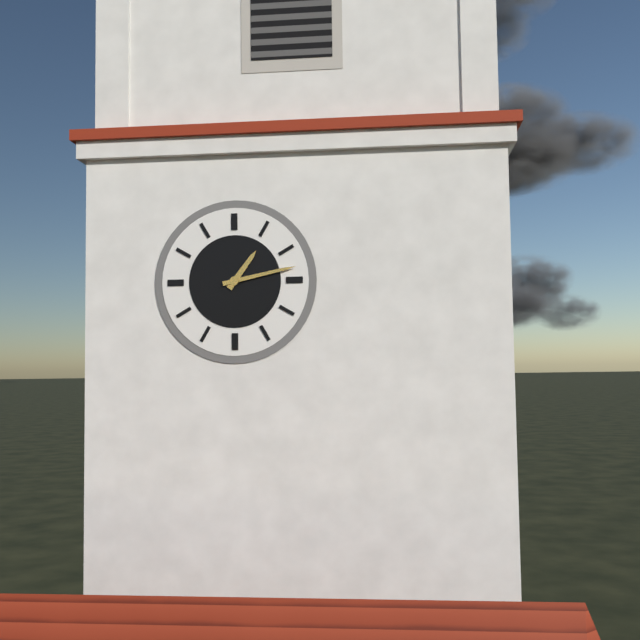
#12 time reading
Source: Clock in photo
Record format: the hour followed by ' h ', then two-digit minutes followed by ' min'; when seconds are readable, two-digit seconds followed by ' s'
1 h 13 min
